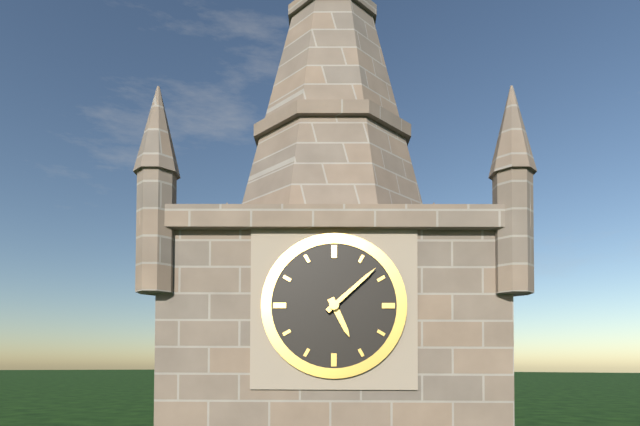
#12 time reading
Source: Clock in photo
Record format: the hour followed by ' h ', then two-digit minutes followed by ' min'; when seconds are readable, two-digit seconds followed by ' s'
5 h 08 min
